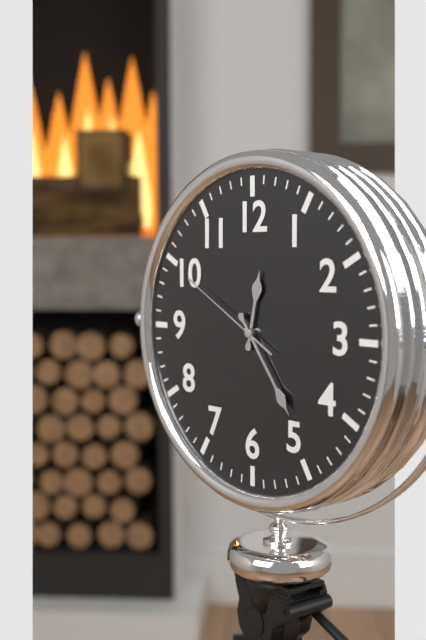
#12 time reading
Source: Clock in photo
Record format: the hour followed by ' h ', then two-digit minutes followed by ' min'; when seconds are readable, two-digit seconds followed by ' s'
12 h 24 min 50 s
